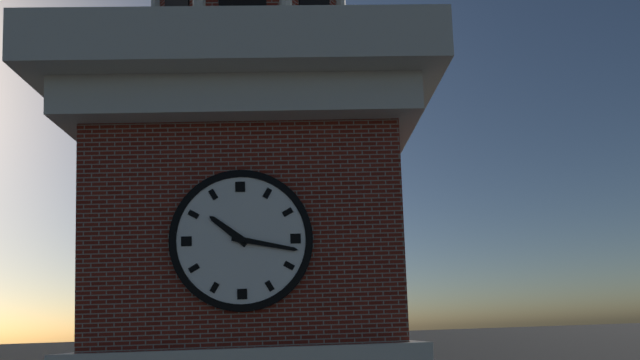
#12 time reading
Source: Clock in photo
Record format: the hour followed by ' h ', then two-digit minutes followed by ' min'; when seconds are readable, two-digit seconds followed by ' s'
10 h 17 min
